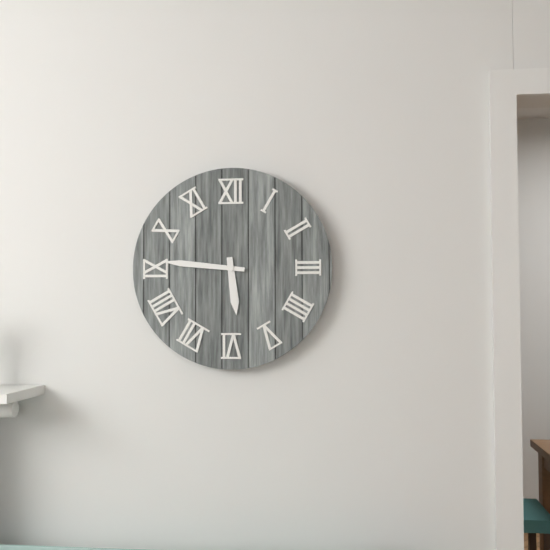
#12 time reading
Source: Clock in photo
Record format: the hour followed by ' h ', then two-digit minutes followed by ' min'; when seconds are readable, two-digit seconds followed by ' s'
5 h 46 min
